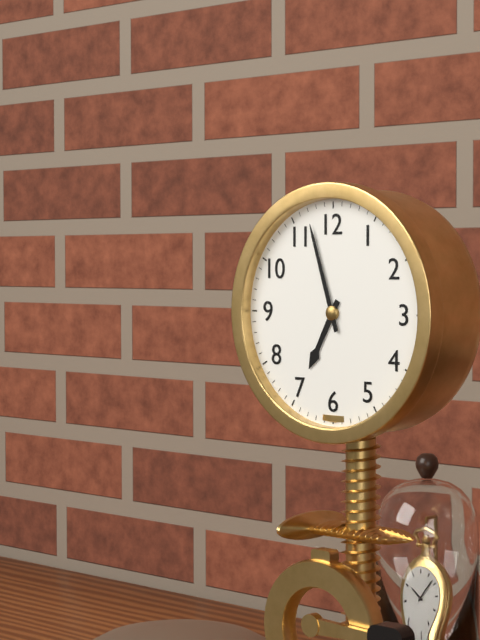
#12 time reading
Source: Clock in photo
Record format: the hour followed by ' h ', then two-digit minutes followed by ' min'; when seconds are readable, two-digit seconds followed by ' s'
6 h 57 min
